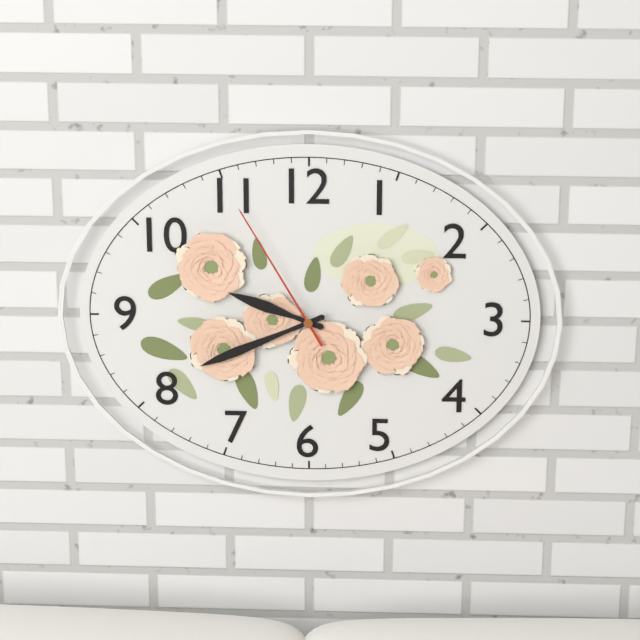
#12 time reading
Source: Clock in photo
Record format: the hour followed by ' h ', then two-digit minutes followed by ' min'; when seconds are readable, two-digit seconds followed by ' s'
9 h 41 min 55 s
